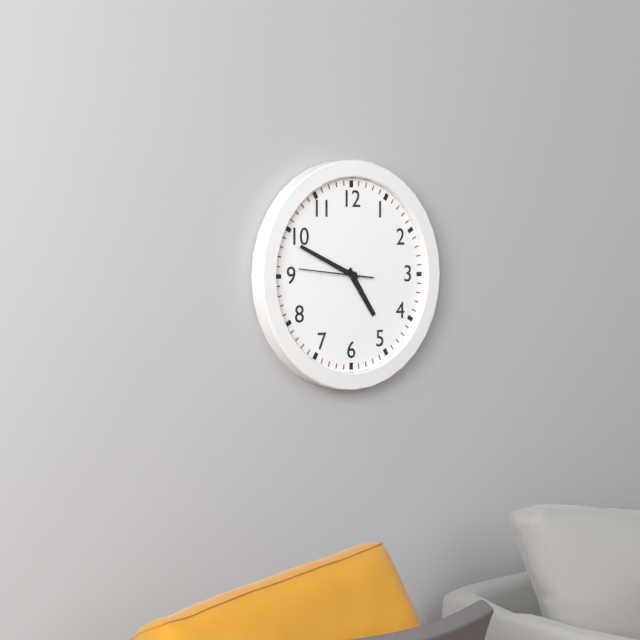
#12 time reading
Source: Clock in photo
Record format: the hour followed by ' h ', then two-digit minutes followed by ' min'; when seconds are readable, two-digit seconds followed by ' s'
4 h 49 min 46 s
